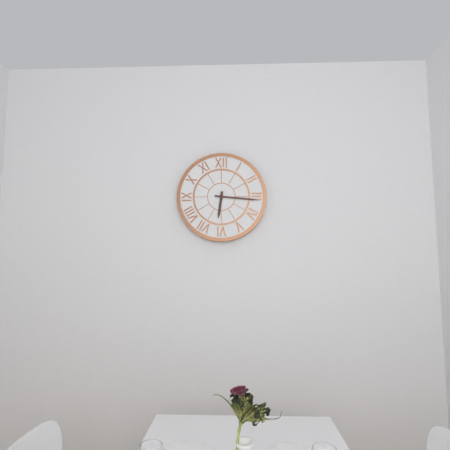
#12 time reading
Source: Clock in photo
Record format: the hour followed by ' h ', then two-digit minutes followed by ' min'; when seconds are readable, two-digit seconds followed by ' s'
6 h 16 min
